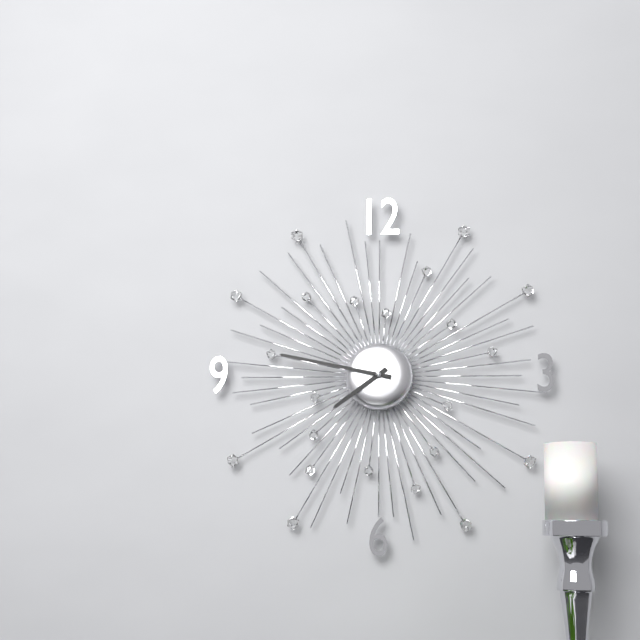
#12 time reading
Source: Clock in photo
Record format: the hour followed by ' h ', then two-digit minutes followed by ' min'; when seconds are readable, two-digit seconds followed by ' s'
7 h 47 min
